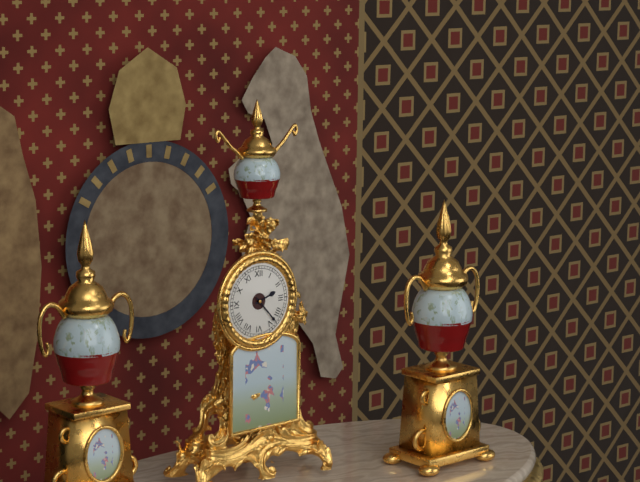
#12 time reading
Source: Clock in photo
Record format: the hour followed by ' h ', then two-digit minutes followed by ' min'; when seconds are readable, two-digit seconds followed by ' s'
2 h 23 min
